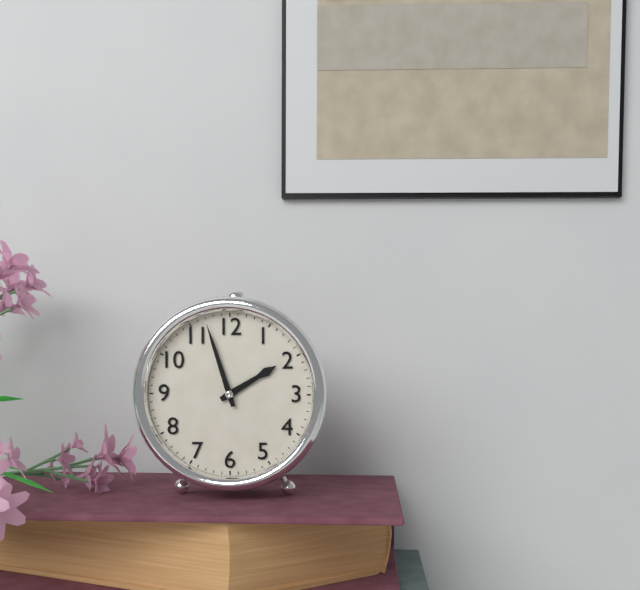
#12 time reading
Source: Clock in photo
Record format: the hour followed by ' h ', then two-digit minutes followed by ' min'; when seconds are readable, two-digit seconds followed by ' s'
1 h 57 min
